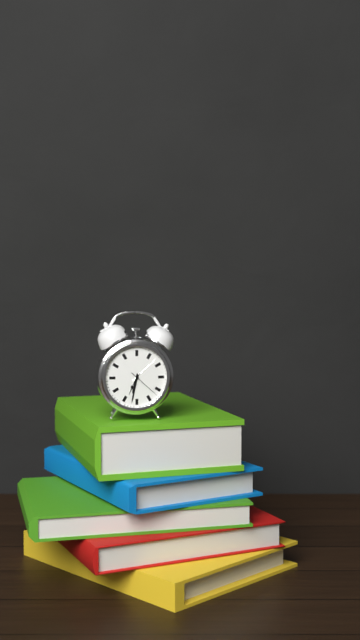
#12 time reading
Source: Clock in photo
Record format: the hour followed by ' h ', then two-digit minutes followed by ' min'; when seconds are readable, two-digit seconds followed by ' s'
6 h 32 min
